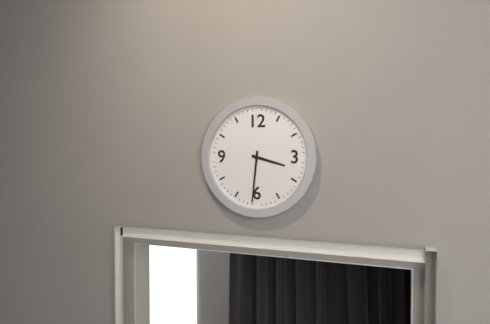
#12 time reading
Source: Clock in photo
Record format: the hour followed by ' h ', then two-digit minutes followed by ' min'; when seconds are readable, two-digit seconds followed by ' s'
3 h 31 min
